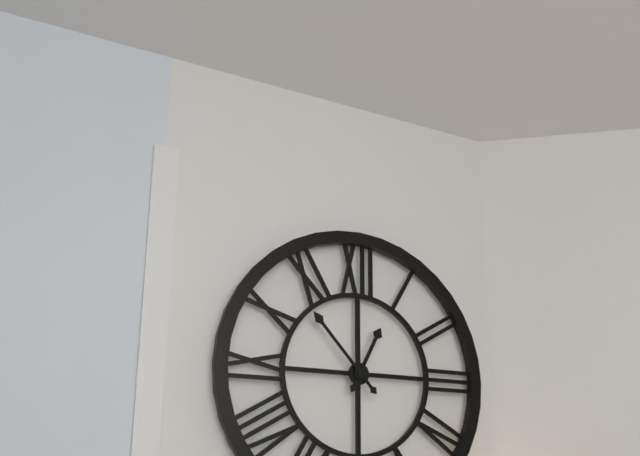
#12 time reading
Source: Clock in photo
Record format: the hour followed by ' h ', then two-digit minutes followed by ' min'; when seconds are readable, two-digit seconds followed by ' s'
12 h 53 min
